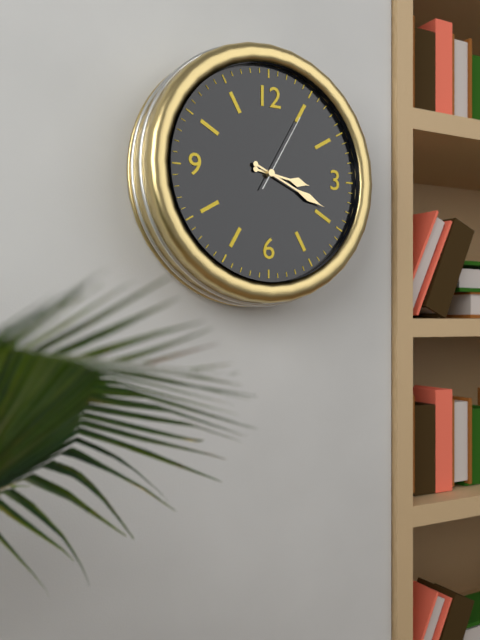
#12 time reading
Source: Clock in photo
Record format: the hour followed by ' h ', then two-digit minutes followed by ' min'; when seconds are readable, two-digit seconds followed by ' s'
3 h 19 min 05 s
